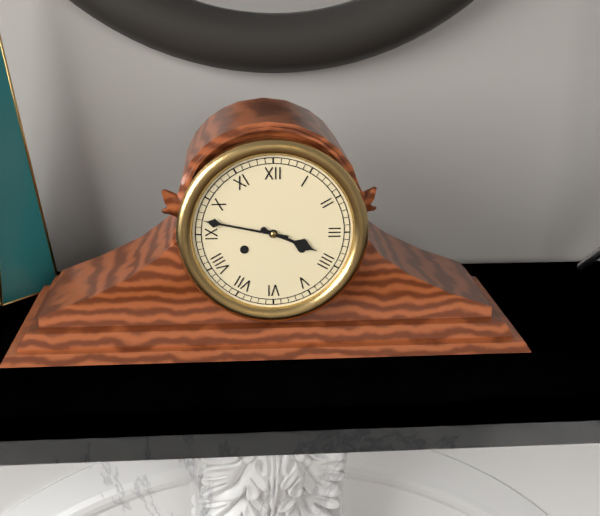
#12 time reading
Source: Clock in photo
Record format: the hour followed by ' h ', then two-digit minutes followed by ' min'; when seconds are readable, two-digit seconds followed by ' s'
3 h 47 min
